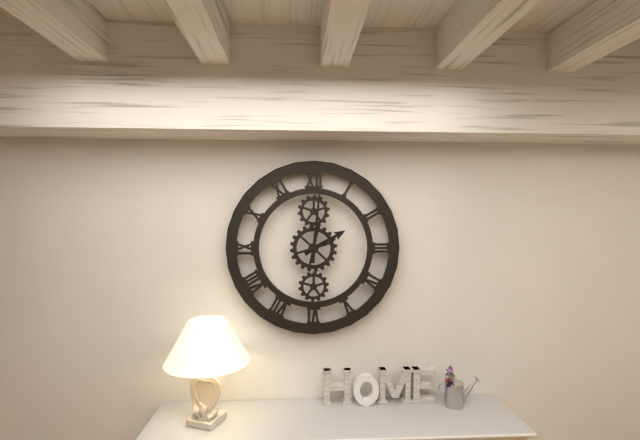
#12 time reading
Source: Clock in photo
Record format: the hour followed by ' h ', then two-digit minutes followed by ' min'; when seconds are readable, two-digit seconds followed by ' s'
2 h 01 min
